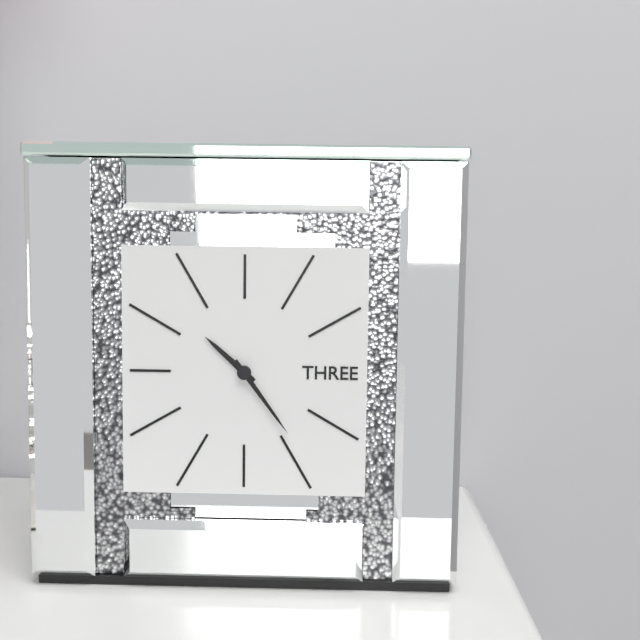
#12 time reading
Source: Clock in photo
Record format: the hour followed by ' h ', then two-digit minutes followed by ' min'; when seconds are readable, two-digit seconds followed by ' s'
10 h 24 min
